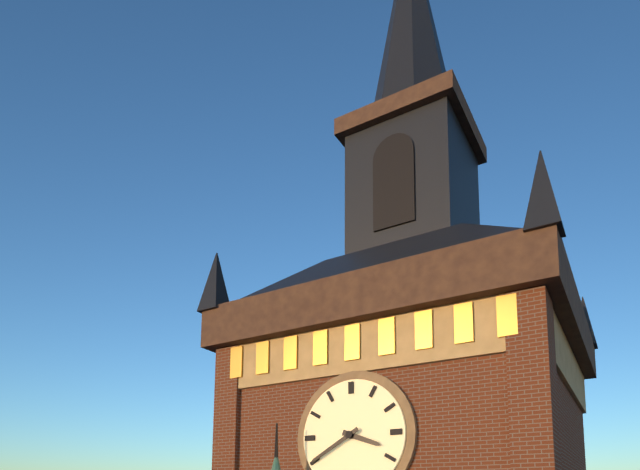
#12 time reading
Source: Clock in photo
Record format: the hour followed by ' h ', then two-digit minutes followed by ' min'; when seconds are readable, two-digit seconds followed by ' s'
3 h 40 min
